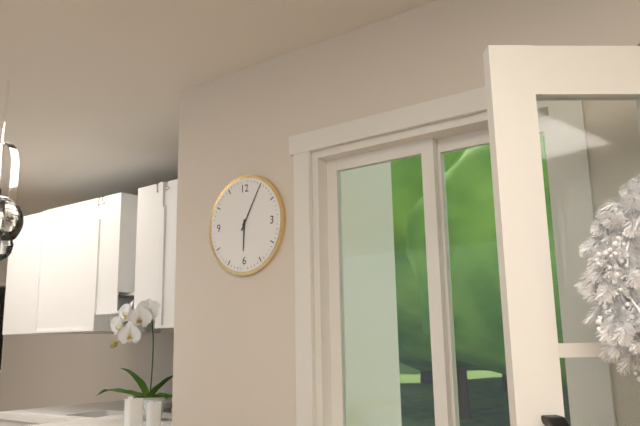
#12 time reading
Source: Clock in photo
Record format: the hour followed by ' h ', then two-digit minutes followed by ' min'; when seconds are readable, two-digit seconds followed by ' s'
6 h 05 min
